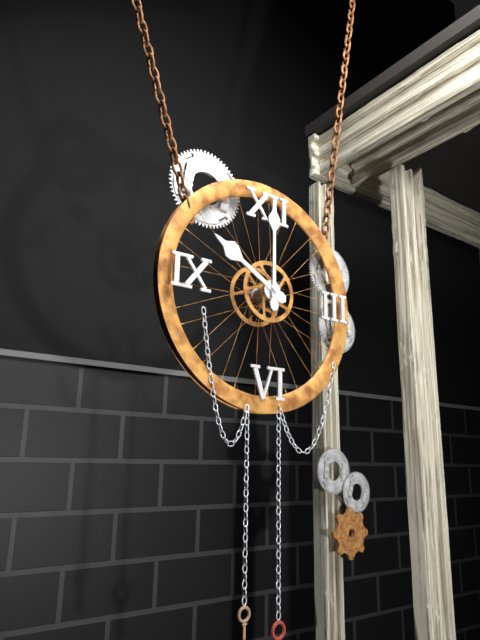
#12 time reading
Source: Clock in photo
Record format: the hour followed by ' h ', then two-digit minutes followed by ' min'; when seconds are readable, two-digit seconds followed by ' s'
10 h 00 min
